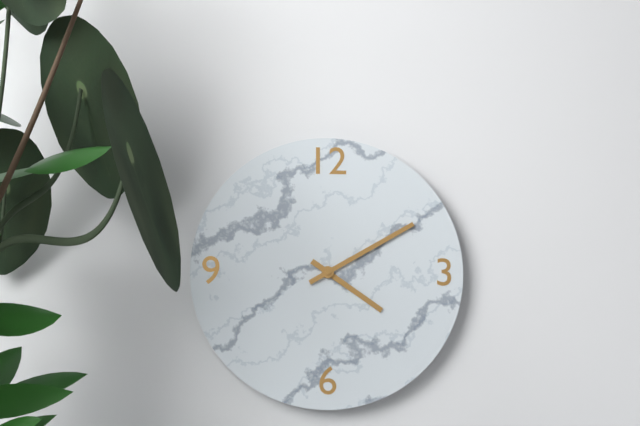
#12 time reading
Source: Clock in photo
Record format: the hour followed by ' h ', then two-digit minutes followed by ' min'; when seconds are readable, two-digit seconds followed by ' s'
4 h 10 min
